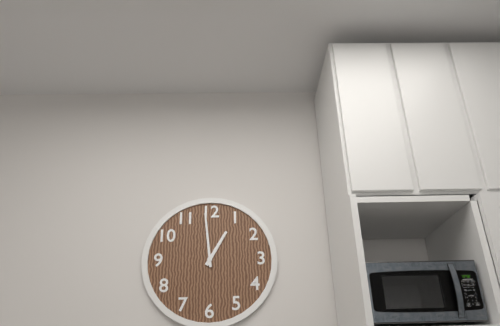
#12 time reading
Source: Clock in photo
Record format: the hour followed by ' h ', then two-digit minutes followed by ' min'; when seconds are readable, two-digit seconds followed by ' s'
12 h 59 min
